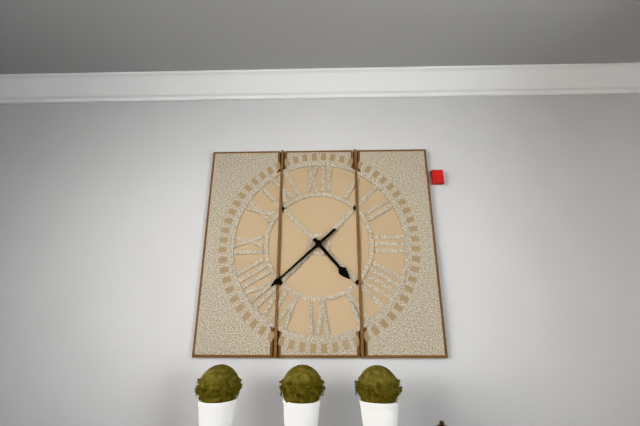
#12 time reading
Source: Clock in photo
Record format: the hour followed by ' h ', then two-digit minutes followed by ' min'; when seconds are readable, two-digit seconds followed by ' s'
4 h 38 min
